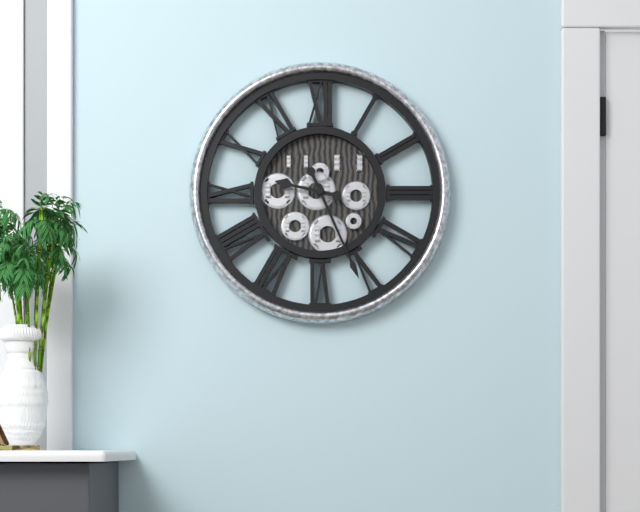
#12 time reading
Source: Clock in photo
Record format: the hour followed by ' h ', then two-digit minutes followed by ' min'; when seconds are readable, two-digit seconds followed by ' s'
9 h 26 min
